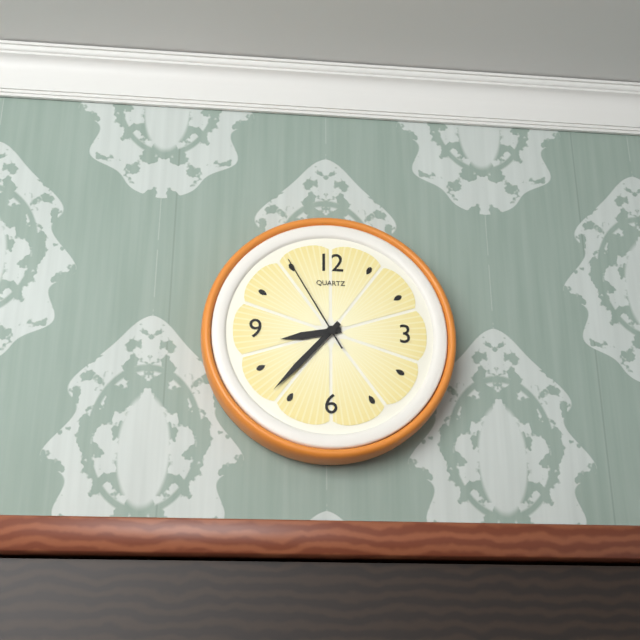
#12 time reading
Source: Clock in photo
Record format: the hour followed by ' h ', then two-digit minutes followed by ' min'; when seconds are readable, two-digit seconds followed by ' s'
8 h 37 min 55 s
